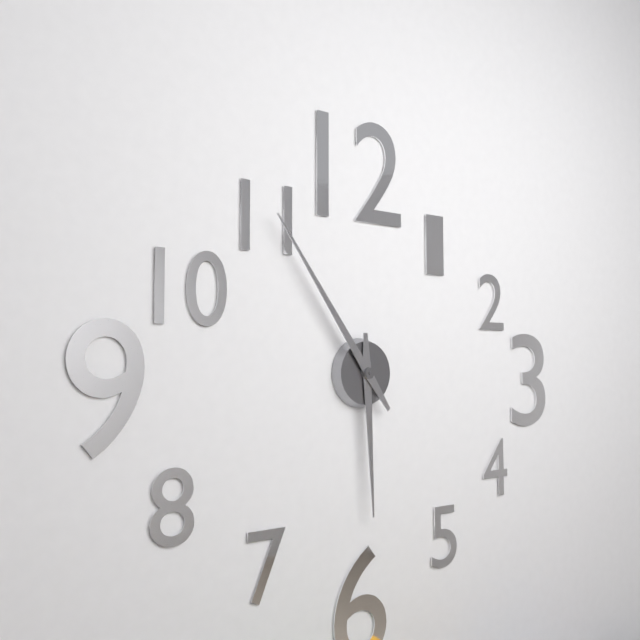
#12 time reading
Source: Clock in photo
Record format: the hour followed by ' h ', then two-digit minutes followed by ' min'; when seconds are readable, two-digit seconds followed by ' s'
5 h 54 min
